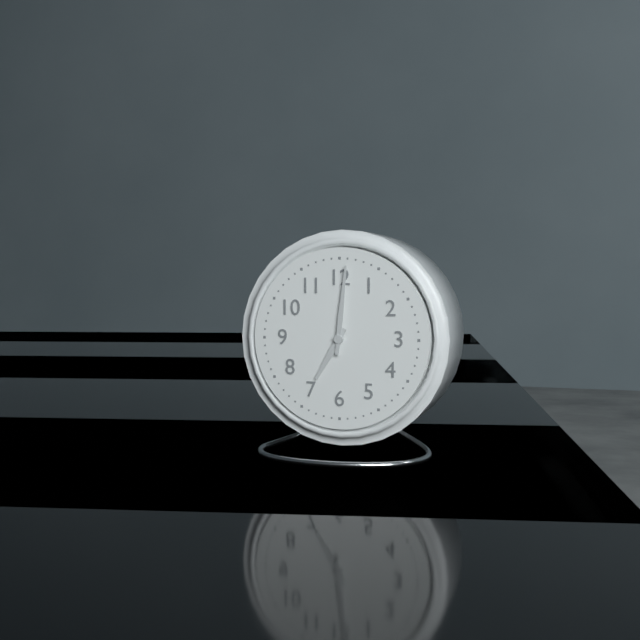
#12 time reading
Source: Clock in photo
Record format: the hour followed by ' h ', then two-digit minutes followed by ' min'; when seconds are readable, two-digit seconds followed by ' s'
7 h 01 min
